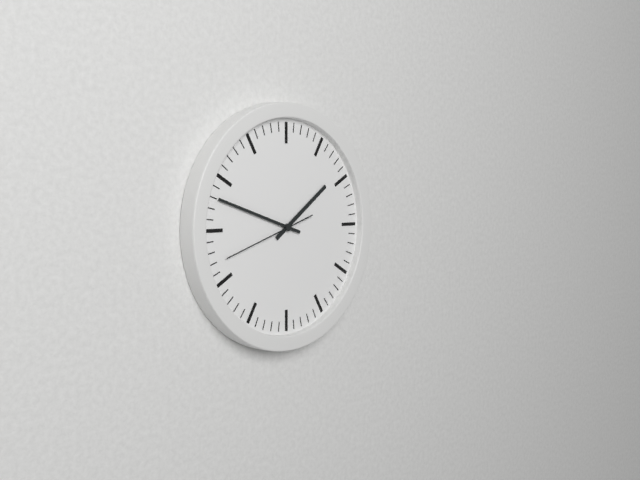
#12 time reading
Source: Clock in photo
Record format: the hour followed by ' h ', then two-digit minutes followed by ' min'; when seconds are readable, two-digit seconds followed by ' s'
1 h 48 min 42 s
